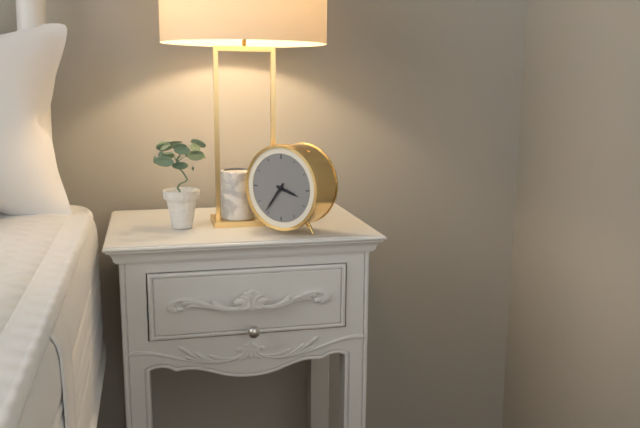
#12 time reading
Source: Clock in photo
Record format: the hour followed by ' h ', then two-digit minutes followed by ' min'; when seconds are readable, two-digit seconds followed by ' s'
3 h 36 min
